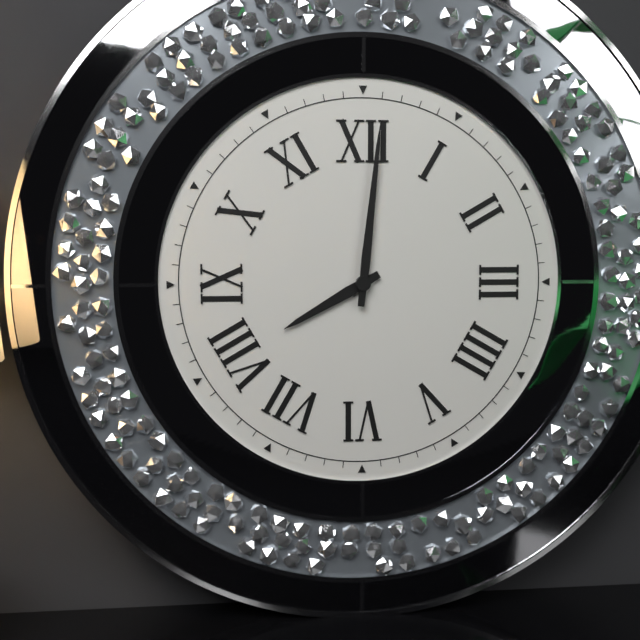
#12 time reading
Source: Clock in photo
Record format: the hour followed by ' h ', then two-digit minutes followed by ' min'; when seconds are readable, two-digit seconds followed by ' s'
8 h 01 min
